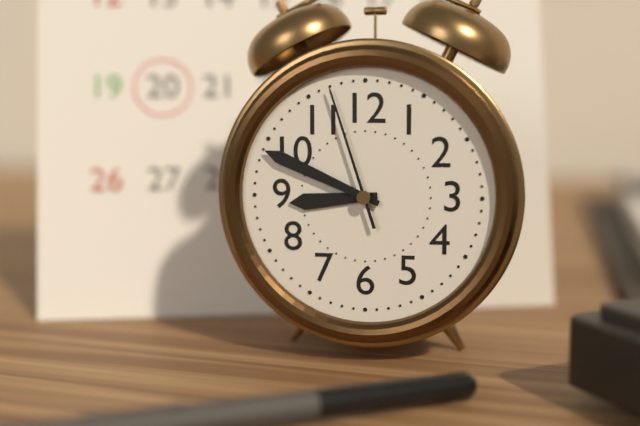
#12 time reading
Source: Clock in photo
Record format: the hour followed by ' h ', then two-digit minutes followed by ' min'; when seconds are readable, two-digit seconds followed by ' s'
8 h 49 min 57 s
